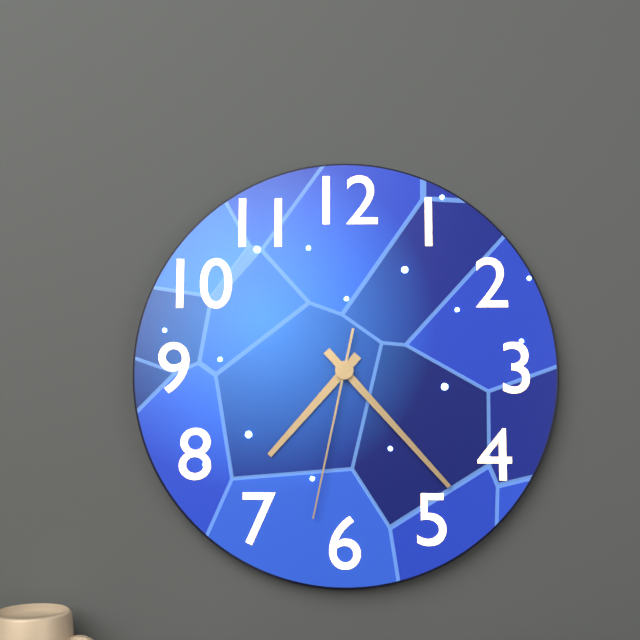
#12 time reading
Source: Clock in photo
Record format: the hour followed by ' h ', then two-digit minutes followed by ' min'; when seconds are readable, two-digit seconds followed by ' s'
7 h 23 min 32 s
